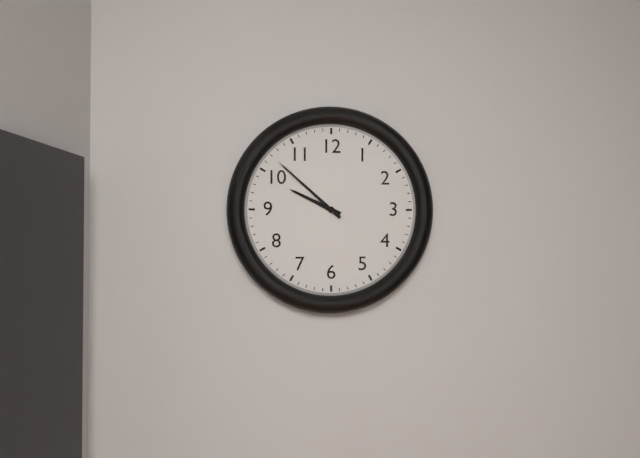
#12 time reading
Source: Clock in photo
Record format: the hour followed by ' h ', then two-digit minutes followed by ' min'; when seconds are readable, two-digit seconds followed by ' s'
9 h 52 min
